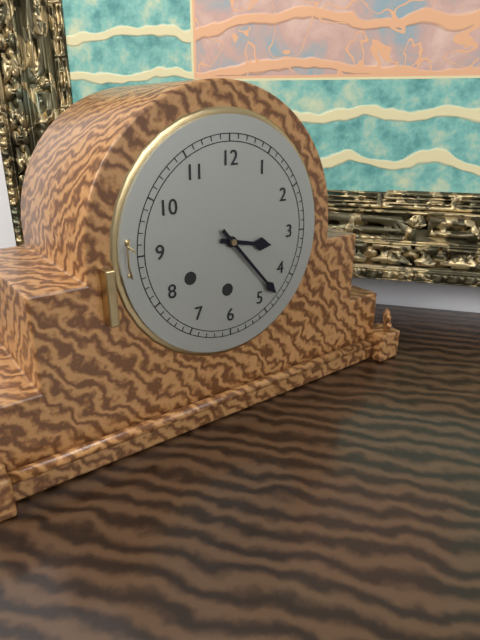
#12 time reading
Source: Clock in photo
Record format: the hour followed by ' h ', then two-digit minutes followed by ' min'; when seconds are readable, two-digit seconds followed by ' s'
3 h 23 min
